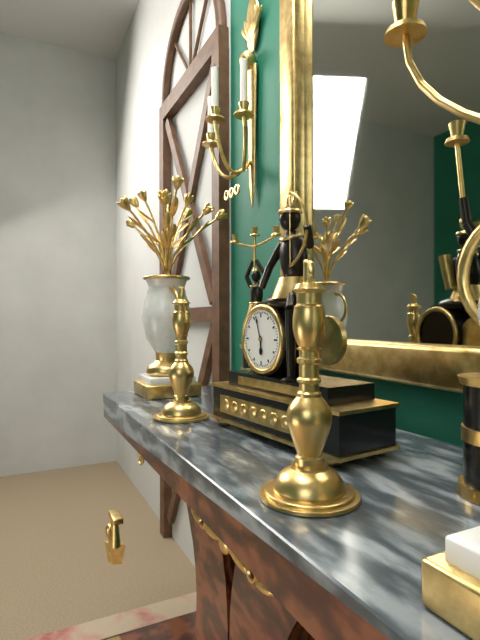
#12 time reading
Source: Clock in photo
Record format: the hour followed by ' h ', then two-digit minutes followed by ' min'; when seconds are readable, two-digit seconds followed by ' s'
5 h 57 min
